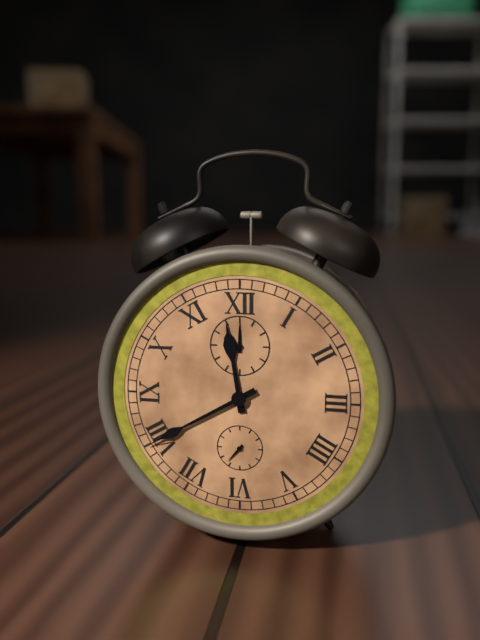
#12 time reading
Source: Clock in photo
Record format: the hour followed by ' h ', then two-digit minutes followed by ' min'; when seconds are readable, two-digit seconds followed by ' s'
11 h 40 min
